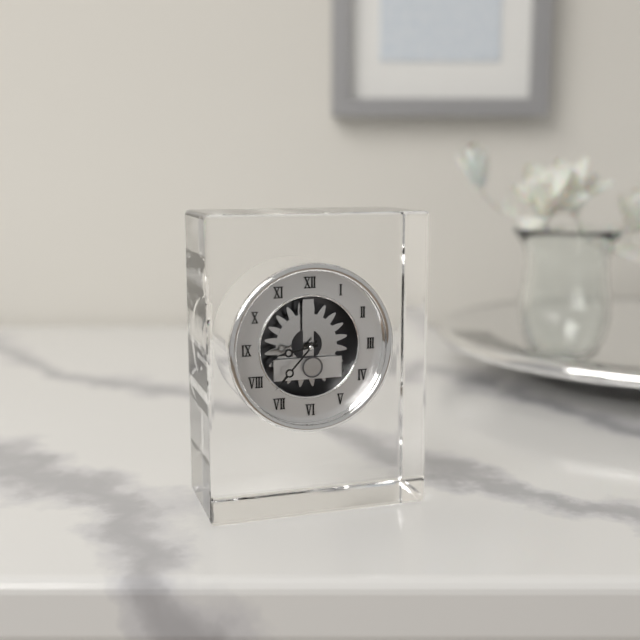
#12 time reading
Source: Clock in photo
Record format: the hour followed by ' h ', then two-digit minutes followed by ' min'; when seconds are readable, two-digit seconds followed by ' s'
8 h 37 min
